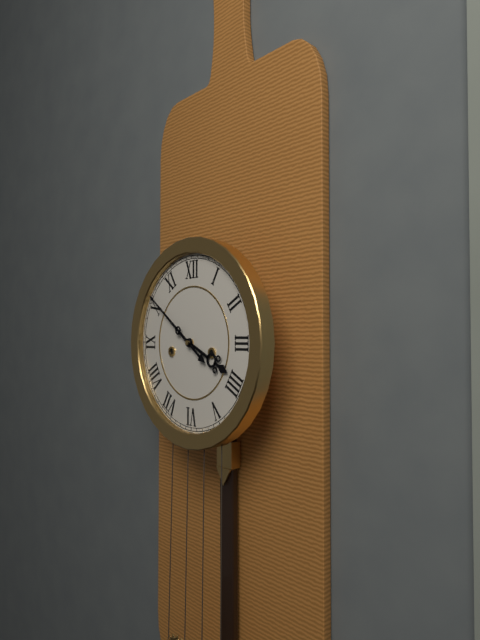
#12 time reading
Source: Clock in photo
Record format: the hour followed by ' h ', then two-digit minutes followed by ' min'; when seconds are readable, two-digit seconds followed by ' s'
3 h 51 min
